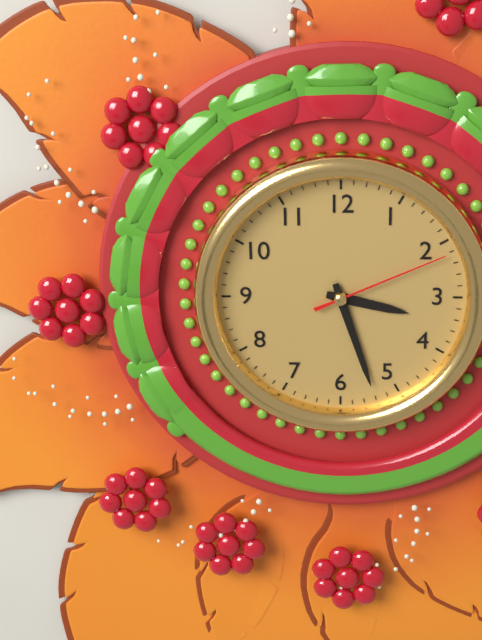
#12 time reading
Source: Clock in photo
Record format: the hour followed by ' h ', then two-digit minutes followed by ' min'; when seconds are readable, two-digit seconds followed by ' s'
3 h 27 min 11 s
